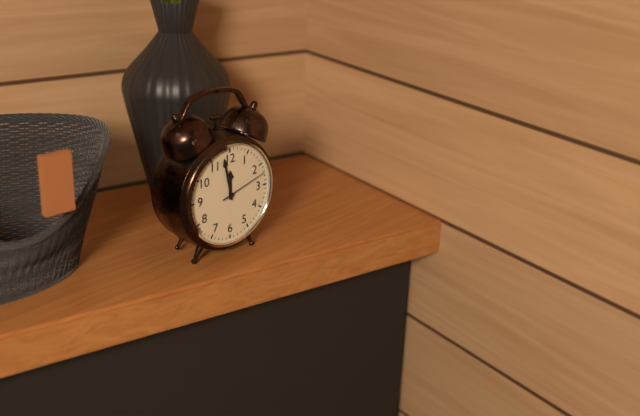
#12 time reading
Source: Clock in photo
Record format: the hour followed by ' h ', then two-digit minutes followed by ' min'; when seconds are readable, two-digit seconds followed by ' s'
11 h 58 min 12 s
